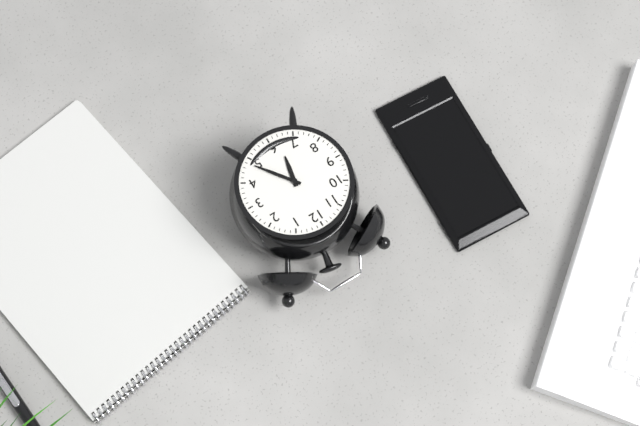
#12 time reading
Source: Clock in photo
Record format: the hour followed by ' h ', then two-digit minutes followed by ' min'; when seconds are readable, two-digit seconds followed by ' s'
6 h 24 min
